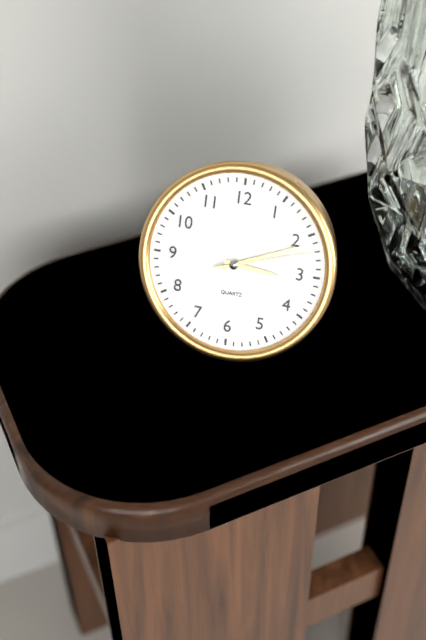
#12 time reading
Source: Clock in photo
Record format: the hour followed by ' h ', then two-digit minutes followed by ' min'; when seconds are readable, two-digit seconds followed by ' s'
3 h 11 min 12 s
